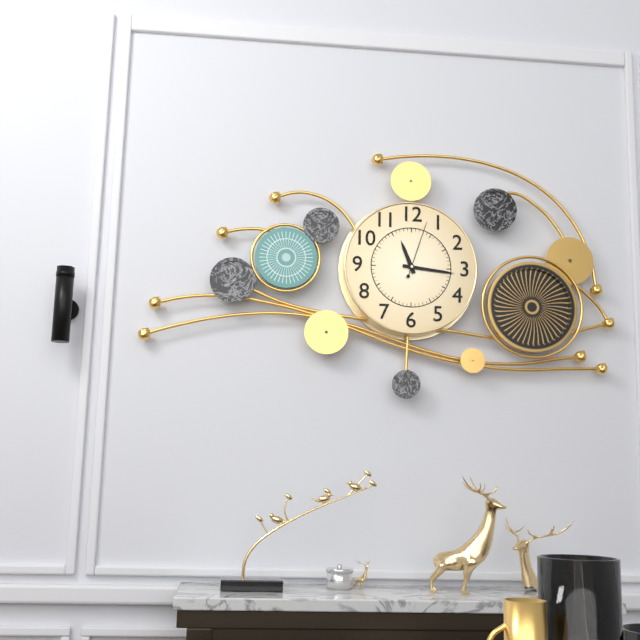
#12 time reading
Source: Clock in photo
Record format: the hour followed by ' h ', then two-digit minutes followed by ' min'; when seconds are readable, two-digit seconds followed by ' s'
11 h 16 min 03 s
